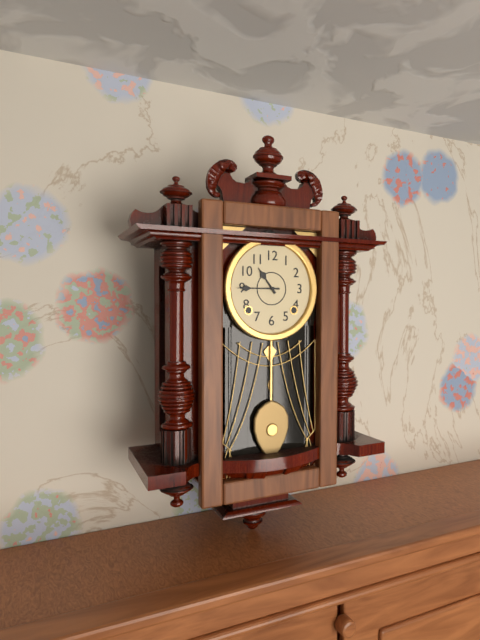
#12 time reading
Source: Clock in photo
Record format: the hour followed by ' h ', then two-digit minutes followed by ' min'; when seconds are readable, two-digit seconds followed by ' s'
10 h 45 min
